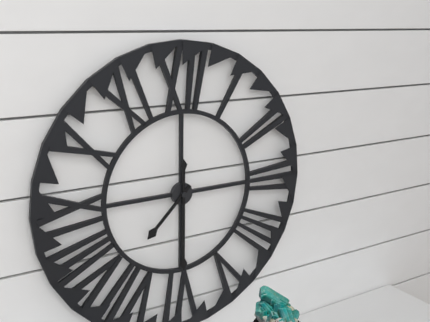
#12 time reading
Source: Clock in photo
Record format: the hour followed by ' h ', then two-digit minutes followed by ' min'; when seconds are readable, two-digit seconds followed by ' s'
7 h 30 min
